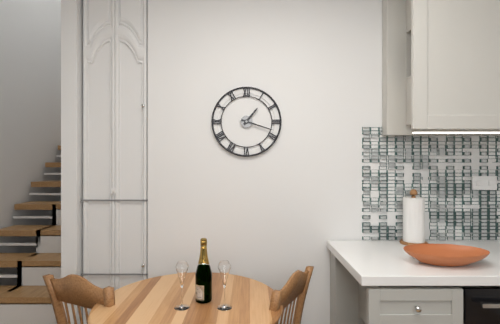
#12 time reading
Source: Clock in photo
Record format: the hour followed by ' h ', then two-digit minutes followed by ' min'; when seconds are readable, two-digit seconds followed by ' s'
1 h 18 min
